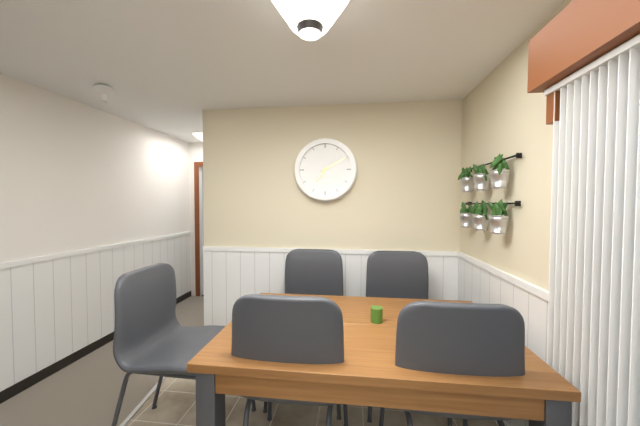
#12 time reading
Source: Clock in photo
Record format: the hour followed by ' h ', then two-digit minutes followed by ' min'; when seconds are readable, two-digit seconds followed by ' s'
7 h 10 min
